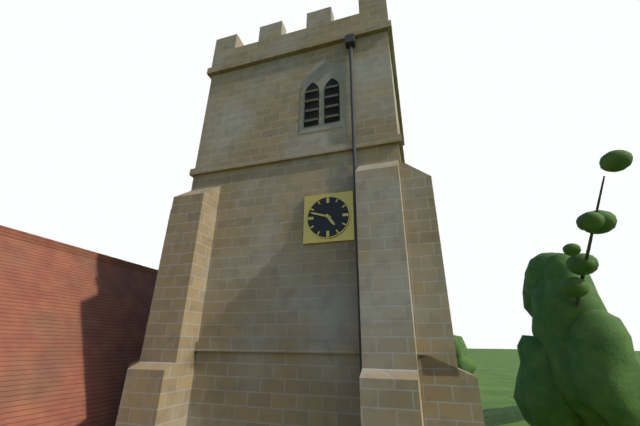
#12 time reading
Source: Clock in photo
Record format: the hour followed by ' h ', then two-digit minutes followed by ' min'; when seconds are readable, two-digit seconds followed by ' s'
4 h 48 min
